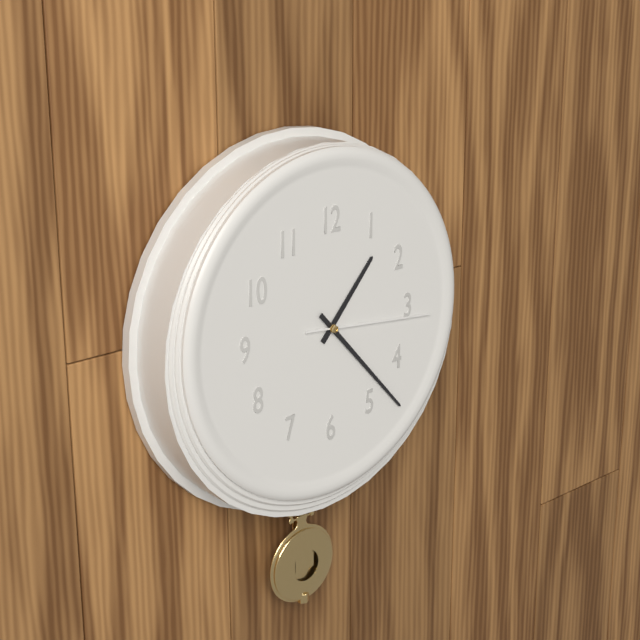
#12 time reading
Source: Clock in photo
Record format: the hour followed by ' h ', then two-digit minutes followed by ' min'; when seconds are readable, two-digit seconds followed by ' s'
1 h 23 min 16 s
